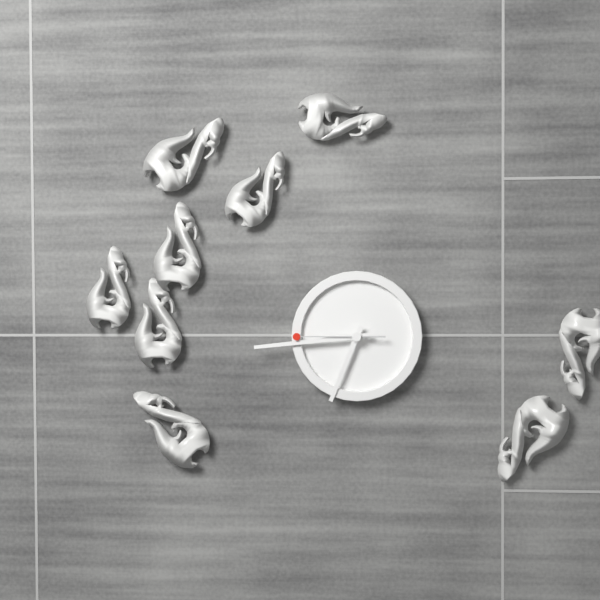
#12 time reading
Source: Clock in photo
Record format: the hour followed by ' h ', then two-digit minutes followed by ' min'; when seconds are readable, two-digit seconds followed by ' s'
6 h 44 min 45 s
